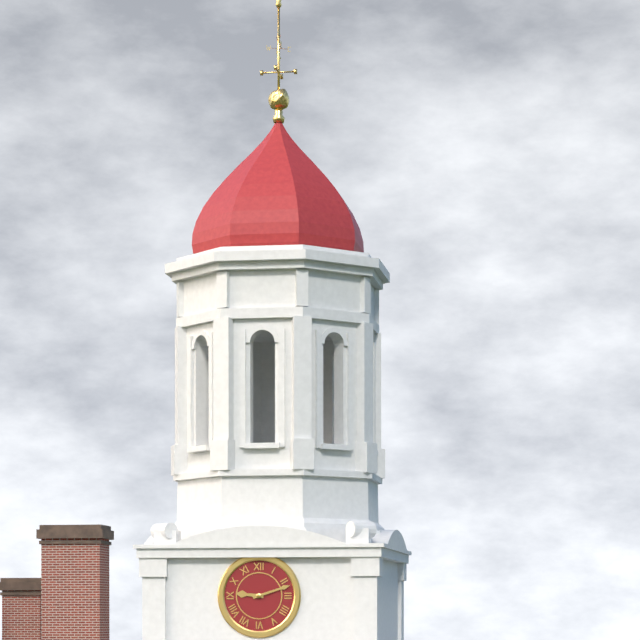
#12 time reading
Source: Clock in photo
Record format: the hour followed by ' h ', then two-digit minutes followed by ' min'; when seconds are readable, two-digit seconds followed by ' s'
9 h 12 min
